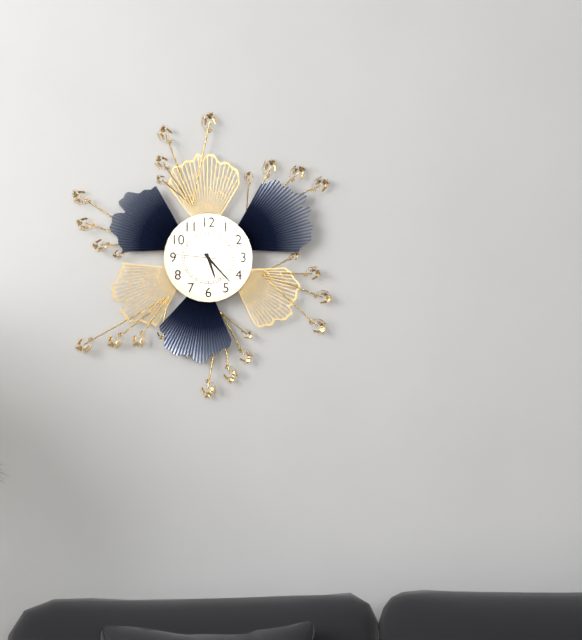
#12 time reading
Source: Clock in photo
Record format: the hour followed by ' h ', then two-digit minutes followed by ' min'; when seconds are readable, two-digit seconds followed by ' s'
5 h 23 min
